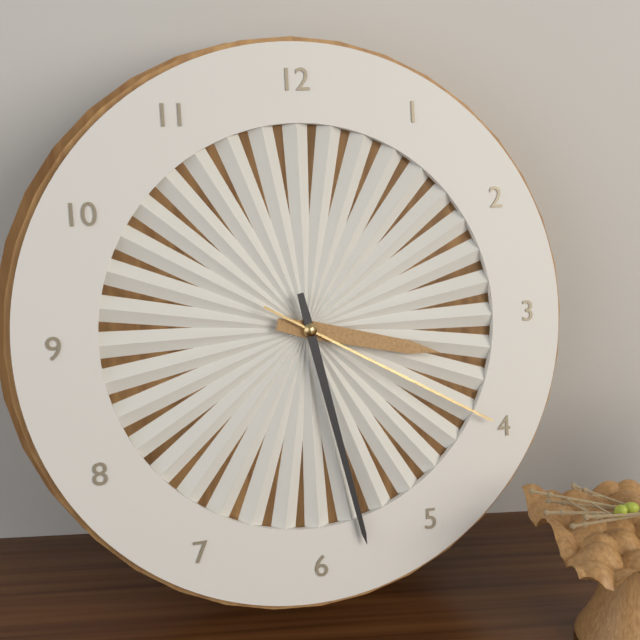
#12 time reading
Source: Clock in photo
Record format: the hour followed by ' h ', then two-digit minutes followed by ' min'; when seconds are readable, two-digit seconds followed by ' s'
3 h 28 min 20 s
